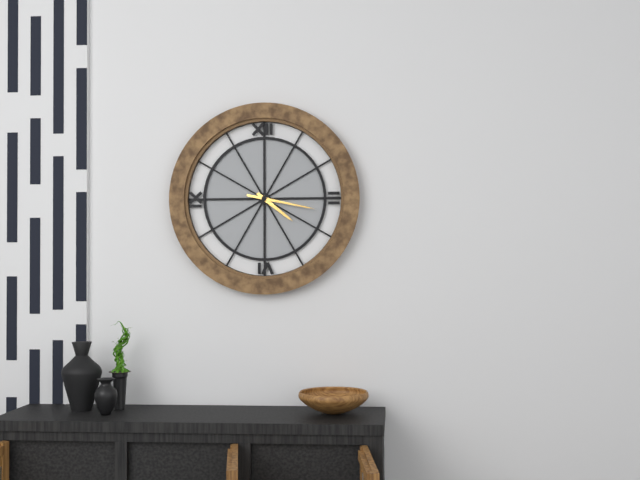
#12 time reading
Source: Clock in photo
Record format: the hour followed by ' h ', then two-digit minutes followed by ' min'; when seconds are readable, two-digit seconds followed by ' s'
4 h 17 min
